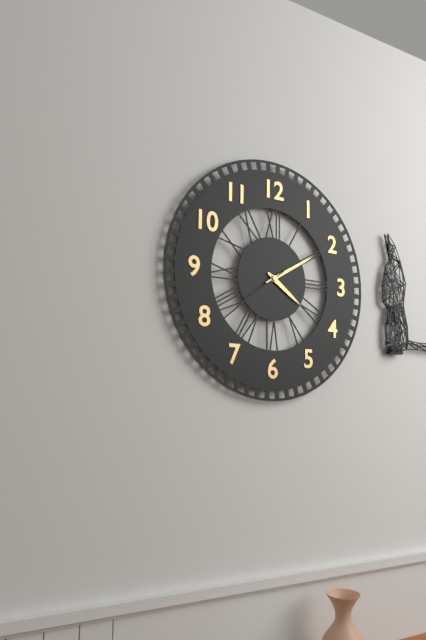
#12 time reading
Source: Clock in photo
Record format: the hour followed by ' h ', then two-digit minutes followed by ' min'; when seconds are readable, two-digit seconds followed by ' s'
4 h 10 min
